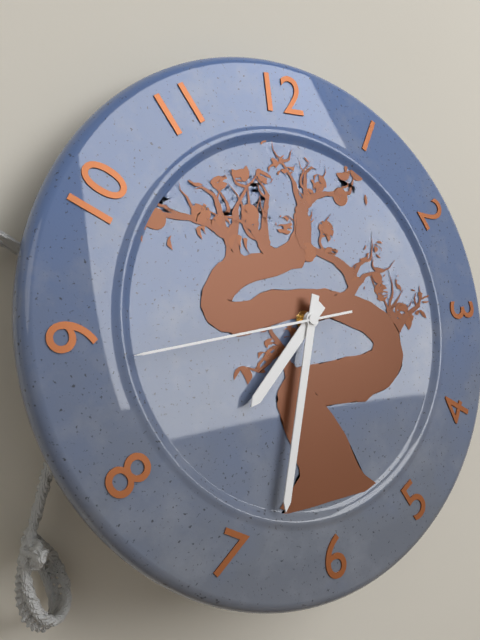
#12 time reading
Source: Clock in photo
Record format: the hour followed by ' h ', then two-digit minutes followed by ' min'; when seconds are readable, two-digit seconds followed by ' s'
7 h 33 min 44 s
